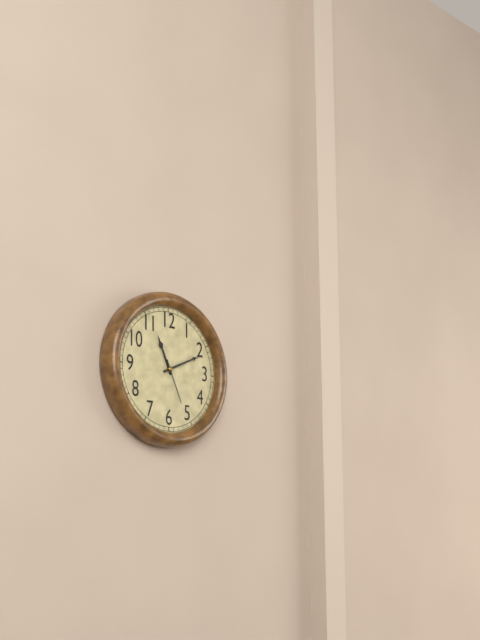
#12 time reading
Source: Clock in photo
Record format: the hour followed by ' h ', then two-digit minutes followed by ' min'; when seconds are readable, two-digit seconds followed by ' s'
11 h 11 min
